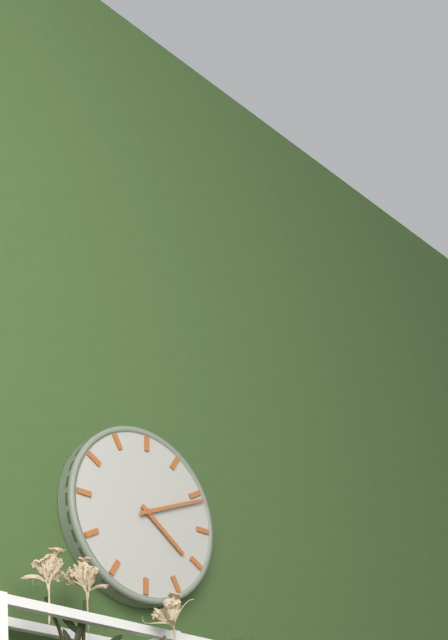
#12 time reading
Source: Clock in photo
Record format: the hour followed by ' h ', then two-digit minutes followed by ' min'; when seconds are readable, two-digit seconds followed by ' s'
4 h 11 min
